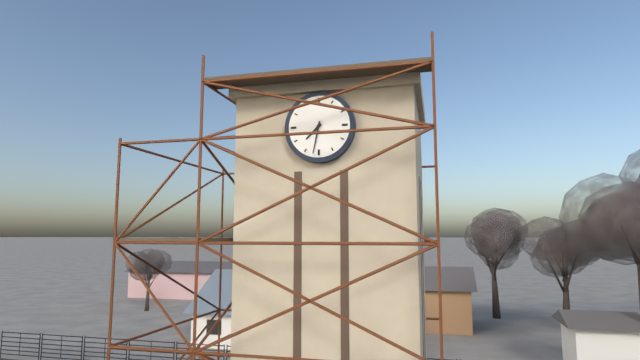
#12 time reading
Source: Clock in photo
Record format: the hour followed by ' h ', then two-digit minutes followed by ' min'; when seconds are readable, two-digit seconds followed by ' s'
7 h 32 min
